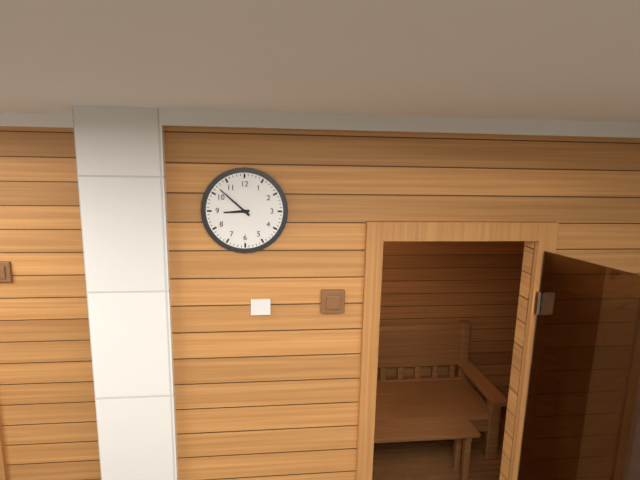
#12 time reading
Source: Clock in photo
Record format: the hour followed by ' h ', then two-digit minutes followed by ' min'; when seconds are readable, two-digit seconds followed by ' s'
8 h 52 min
